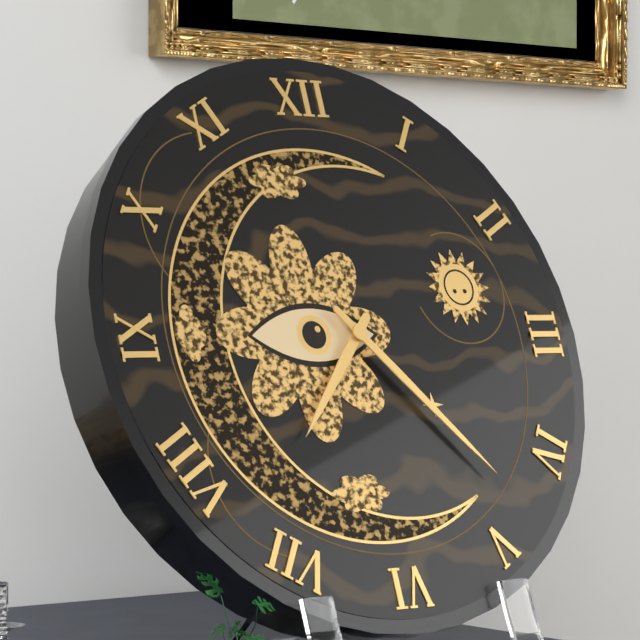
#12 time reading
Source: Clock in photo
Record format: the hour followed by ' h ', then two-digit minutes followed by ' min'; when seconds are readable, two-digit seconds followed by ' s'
7 h 23 min
